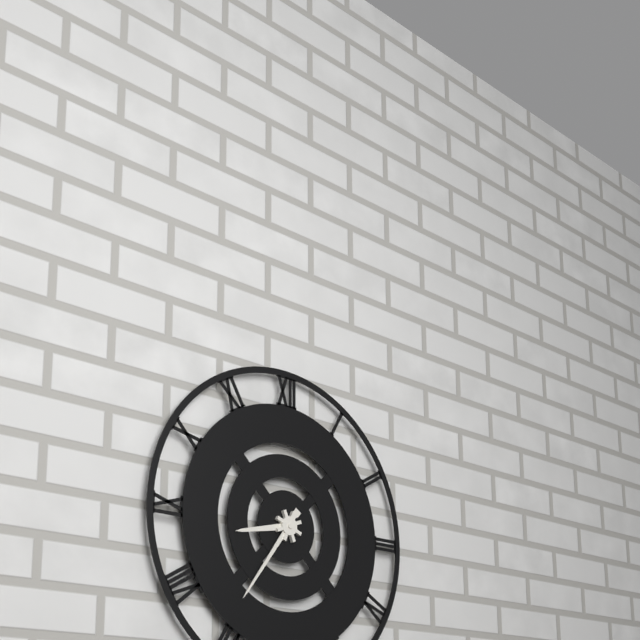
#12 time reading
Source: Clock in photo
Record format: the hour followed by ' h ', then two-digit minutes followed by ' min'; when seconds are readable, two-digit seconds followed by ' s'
8 h 36 min
